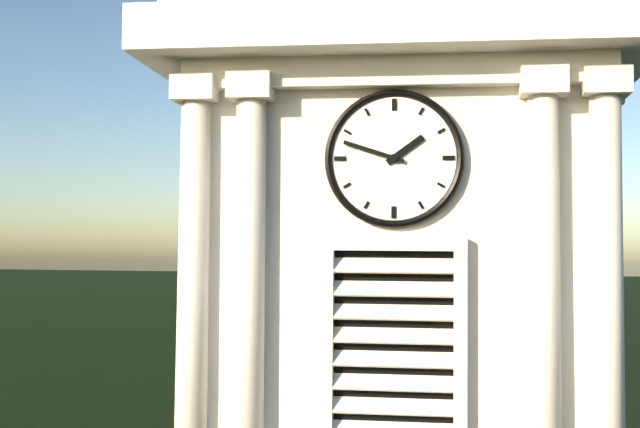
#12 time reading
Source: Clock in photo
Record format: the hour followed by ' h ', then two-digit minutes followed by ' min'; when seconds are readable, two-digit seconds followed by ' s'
1 h 48 min
